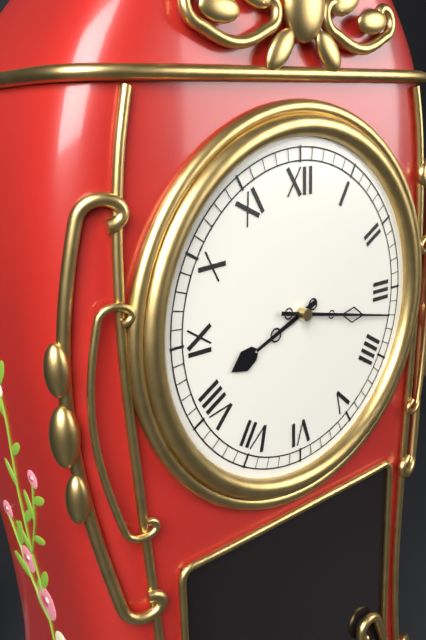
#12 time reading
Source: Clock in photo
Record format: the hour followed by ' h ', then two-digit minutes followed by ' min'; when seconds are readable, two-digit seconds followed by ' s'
8 h 17 min
